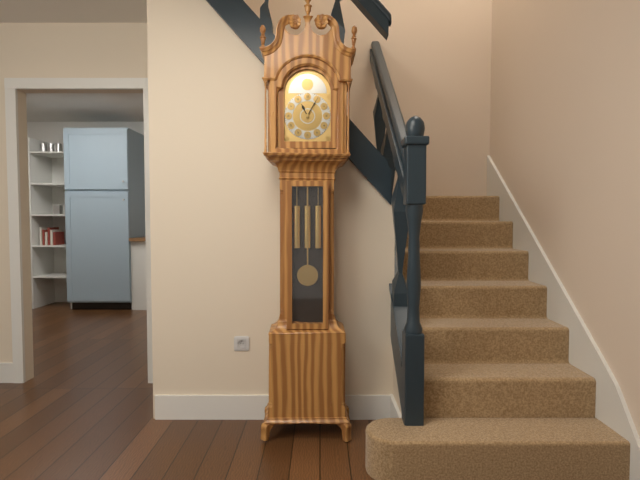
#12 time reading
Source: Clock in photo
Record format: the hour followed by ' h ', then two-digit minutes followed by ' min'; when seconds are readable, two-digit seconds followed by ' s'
11 h 05 min
